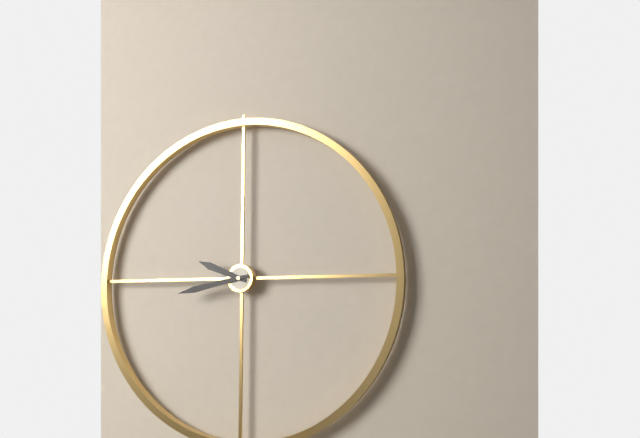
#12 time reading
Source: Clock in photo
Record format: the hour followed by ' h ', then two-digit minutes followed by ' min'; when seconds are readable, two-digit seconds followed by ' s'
9 h 43 min
